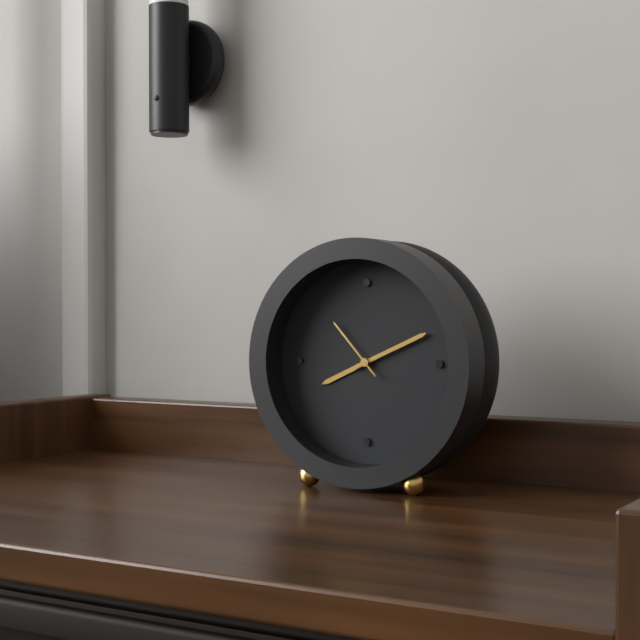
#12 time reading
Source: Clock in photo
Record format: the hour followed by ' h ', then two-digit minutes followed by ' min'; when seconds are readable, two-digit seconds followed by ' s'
8 h 11 min 53 s
